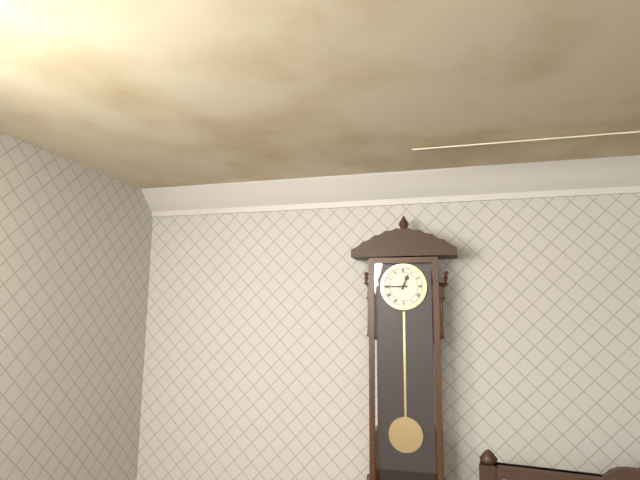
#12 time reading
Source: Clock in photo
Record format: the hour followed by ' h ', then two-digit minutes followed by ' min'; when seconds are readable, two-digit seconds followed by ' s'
12 h 45 min
